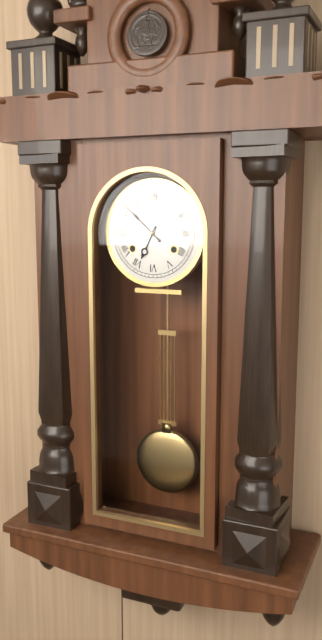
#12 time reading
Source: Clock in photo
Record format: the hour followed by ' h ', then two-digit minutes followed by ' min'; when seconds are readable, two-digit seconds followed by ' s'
6 h 52 min
